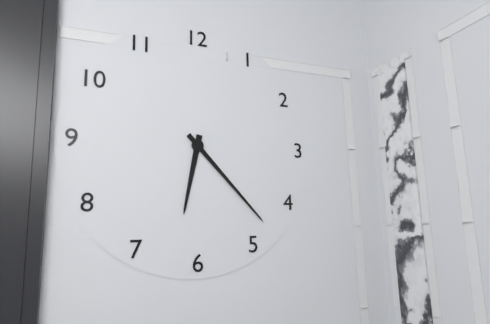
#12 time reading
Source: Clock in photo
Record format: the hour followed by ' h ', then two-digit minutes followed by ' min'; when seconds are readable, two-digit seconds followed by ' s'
6 h 23 min
